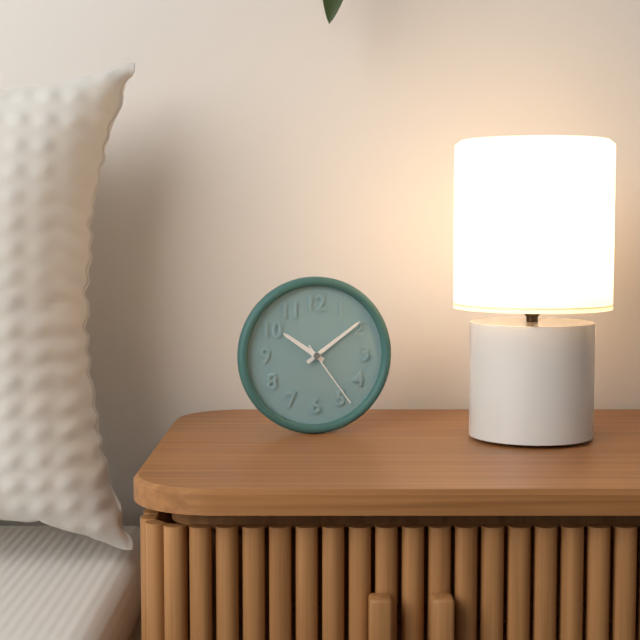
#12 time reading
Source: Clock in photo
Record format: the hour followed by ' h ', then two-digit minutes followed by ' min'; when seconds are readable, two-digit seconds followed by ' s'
10 h 09 min 24 s
